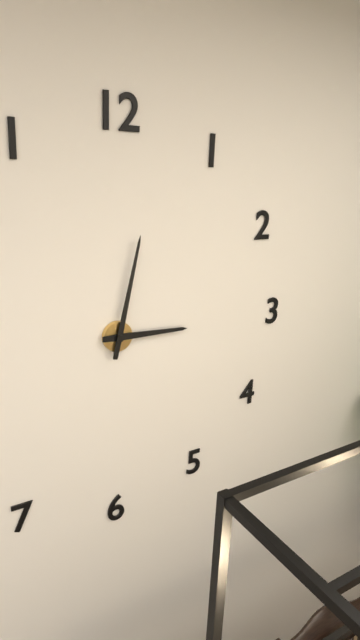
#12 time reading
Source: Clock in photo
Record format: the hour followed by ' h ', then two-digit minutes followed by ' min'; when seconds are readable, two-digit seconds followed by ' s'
3 h 02 min
